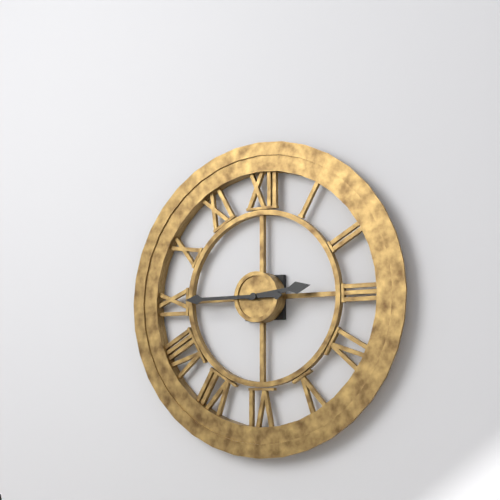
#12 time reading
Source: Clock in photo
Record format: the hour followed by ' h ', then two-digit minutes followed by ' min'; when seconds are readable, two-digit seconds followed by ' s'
2 h 45 min
